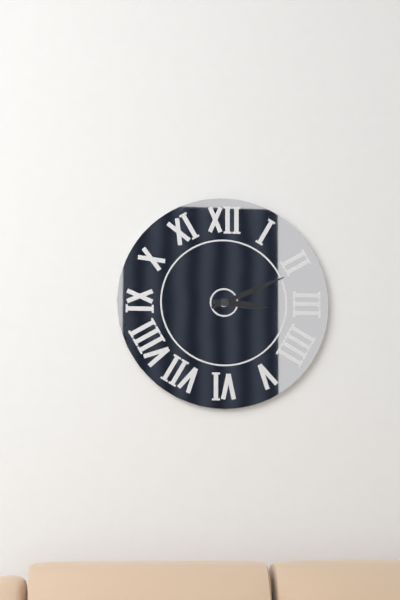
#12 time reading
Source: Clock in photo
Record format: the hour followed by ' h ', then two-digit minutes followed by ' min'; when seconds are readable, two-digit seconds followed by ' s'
3 h 11 min
